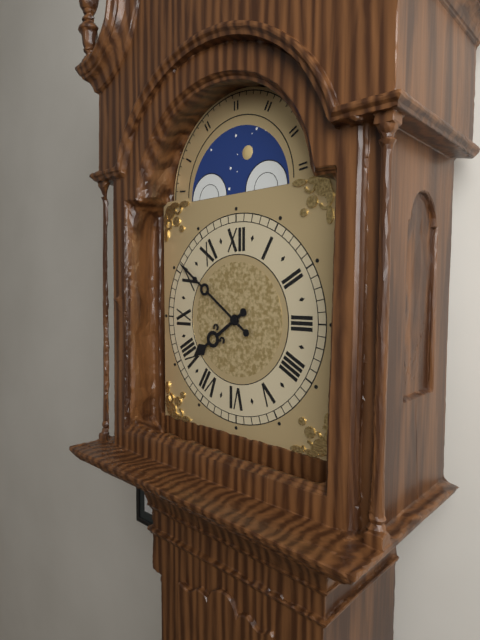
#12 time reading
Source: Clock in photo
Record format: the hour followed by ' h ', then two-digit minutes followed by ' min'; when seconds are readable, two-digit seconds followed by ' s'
7 h 51 min
